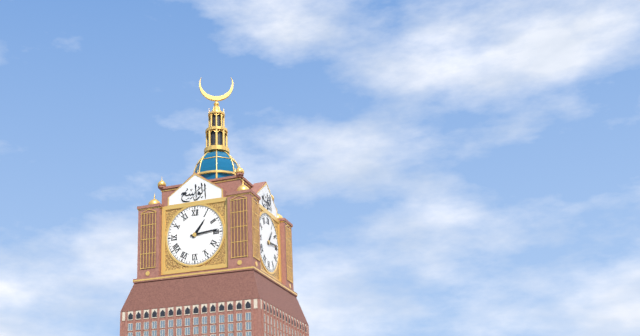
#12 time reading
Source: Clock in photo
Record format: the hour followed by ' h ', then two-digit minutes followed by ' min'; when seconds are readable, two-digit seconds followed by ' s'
1 h 14 min
